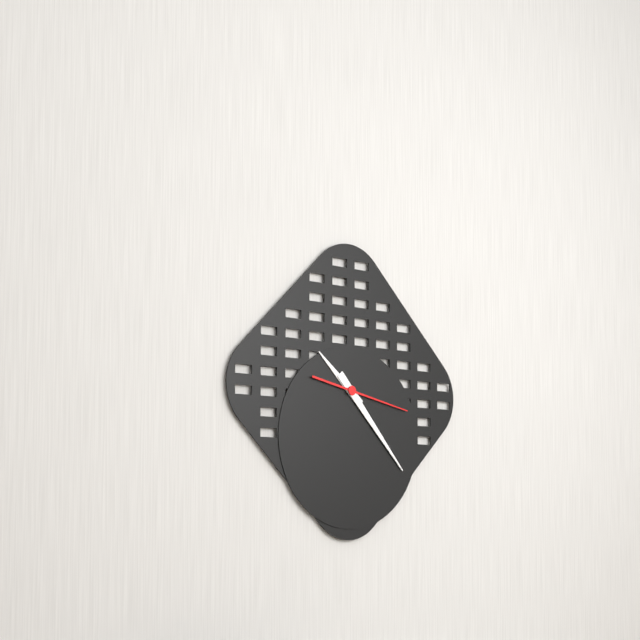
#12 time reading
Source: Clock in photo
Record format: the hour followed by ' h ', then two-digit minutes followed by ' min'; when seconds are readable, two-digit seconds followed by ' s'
10 h 23 min 17 s
